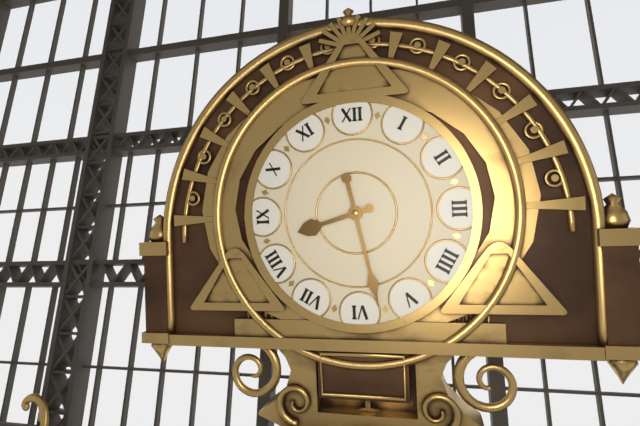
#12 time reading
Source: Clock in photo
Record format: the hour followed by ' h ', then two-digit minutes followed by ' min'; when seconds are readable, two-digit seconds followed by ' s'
8 h 28 min
